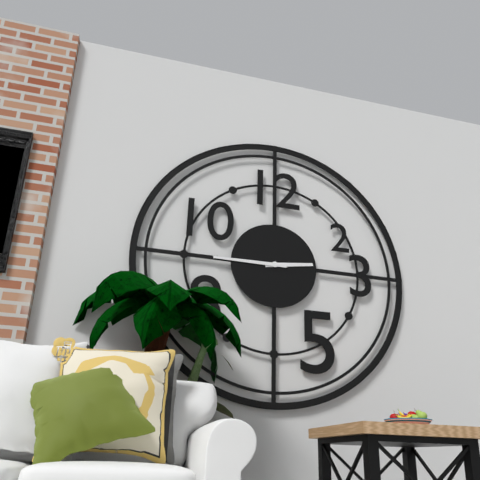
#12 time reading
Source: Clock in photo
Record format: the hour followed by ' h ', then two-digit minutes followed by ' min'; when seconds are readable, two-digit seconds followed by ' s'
2 h 45 min
